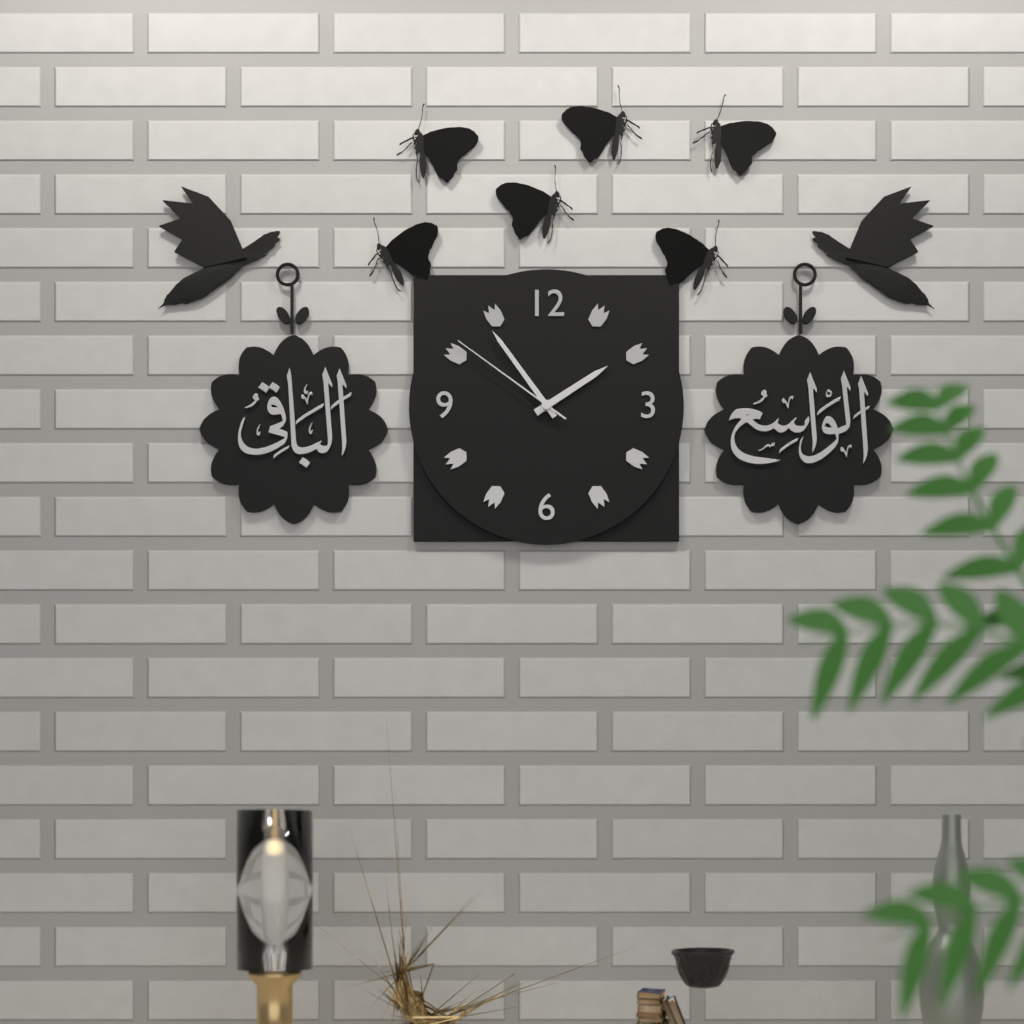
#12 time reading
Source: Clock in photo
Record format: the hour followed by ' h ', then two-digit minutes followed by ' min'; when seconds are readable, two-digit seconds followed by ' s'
1 h 54 min 51 s
